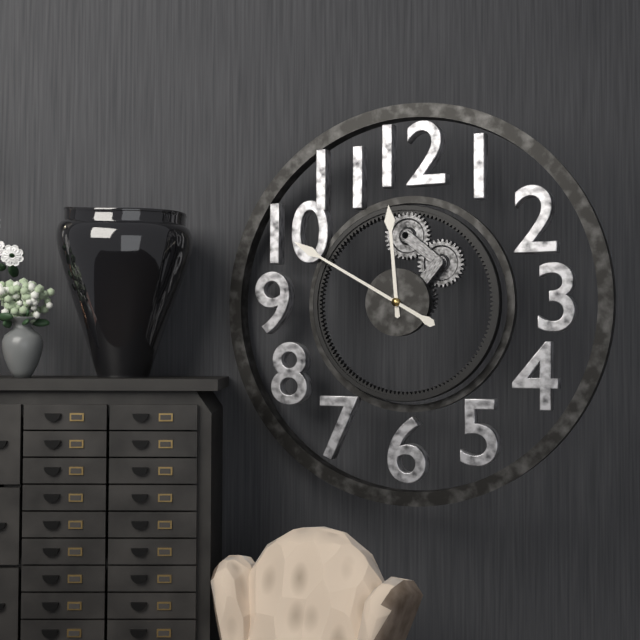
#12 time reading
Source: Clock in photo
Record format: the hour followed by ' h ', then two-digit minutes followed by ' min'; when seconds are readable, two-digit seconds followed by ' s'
11 h 50 min
